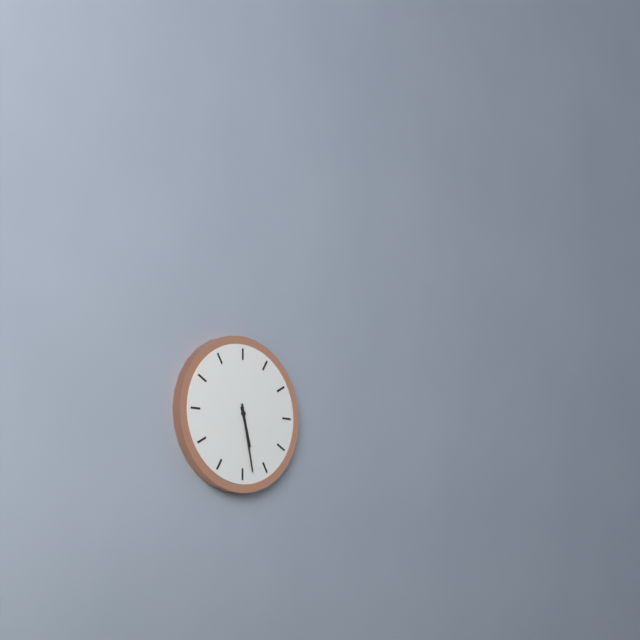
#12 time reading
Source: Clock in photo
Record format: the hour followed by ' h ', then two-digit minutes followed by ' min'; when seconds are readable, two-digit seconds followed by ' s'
5 h 28 min
